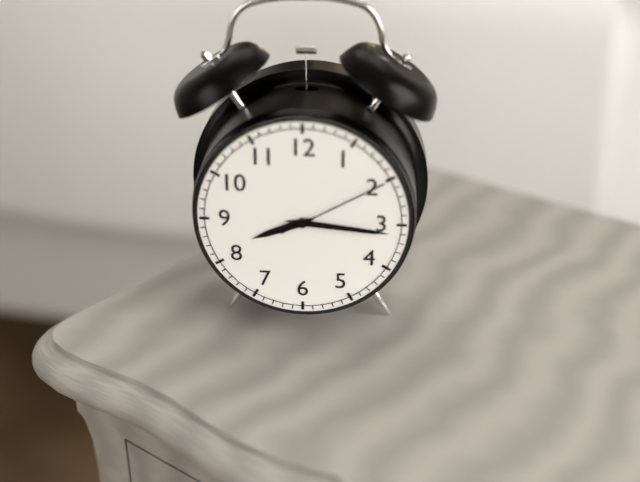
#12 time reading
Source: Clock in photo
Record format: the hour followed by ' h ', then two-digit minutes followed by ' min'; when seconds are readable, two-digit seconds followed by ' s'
8 h 16 min 10 s
